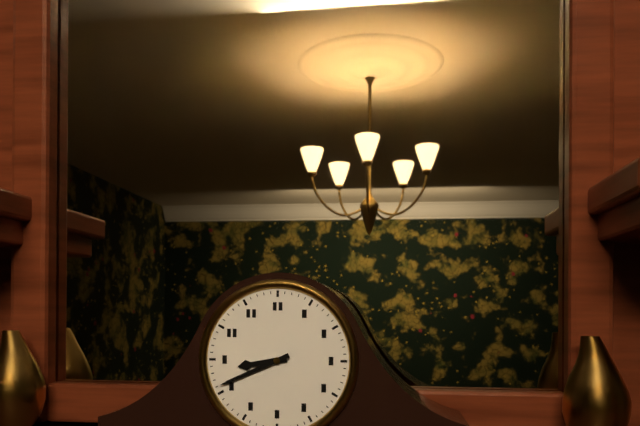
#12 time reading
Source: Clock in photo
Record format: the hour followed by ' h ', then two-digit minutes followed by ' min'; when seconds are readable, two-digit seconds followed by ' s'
8 h 41 min
